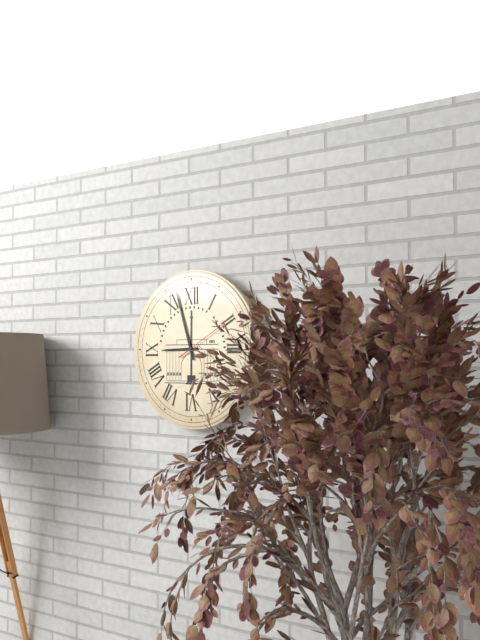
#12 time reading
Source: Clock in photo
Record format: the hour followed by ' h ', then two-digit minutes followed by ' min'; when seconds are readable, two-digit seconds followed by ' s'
8 h 57 min 10 s
